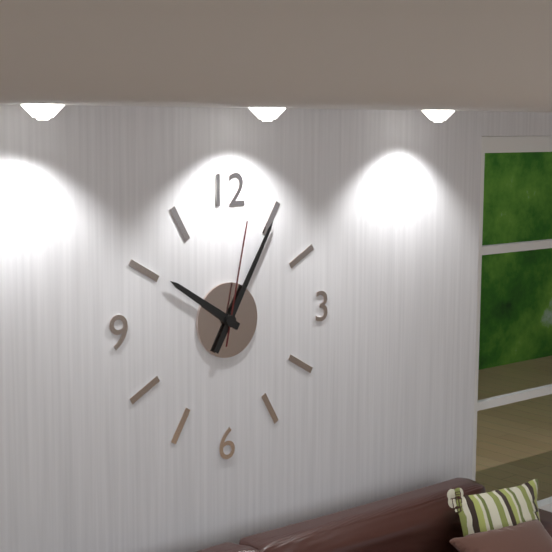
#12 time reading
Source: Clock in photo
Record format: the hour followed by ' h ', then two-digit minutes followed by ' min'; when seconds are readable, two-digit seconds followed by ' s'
10 h 05 min 02 s
